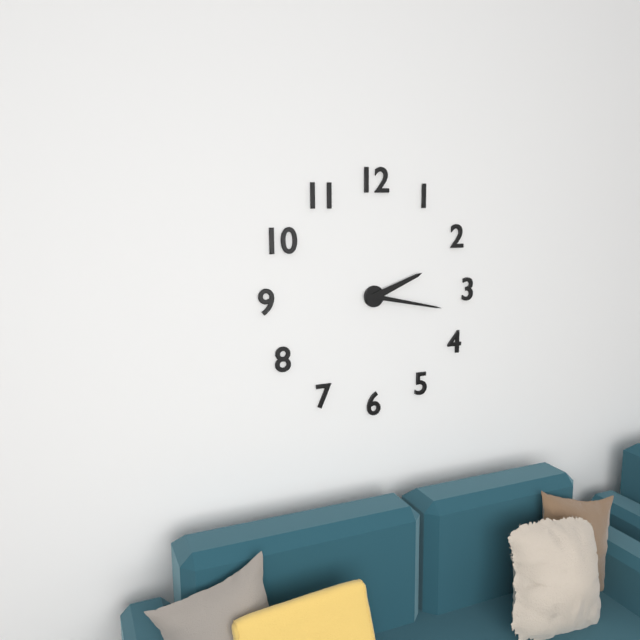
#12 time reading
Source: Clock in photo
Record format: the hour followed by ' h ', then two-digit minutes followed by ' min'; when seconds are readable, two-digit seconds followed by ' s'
2 h 17 min
